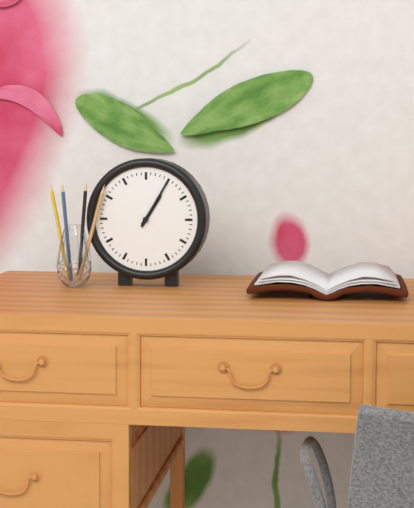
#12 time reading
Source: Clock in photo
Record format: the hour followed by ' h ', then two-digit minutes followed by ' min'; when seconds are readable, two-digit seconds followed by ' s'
1 h 05 min
